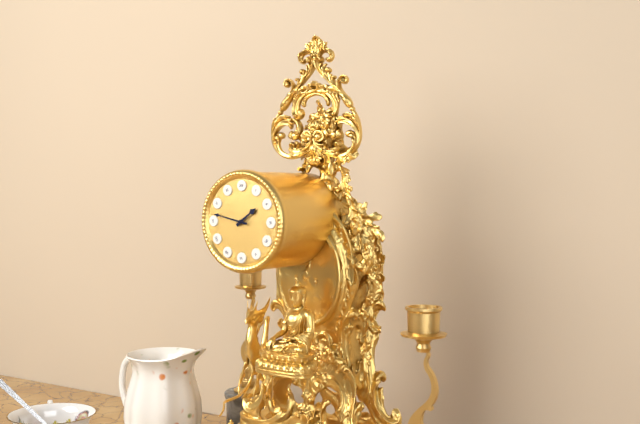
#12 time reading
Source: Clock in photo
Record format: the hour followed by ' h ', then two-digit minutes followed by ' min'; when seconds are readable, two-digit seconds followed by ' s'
1 h 47 min
